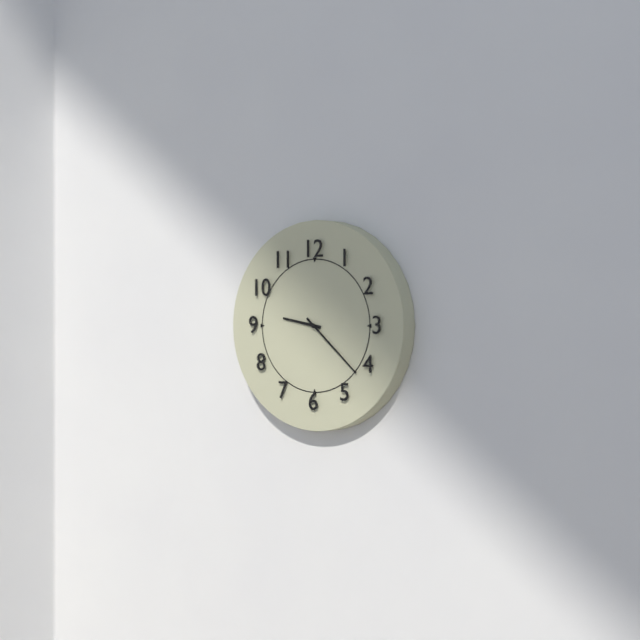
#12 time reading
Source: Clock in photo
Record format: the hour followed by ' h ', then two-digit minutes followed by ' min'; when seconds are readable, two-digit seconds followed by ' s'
9 h 22 min
